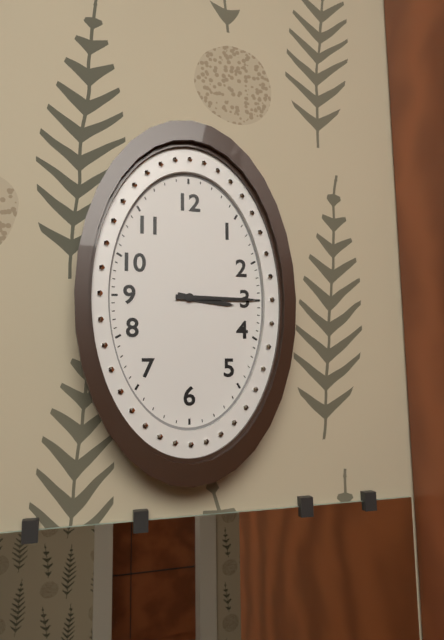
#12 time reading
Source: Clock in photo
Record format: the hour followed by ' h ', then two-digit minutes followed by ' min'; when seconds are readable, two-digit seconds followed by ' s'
3 h 15 min
